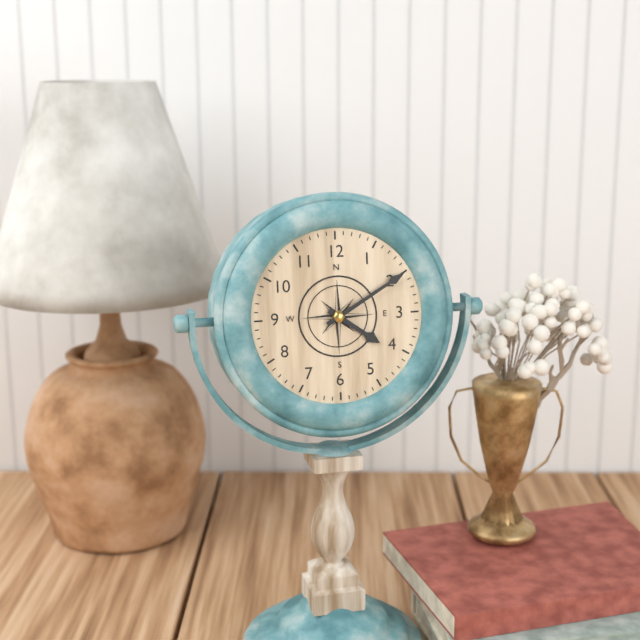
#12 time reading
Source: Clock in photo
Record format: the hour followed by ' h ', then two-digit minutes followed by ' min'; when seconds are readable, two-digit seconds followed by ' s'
4 h 10 min
